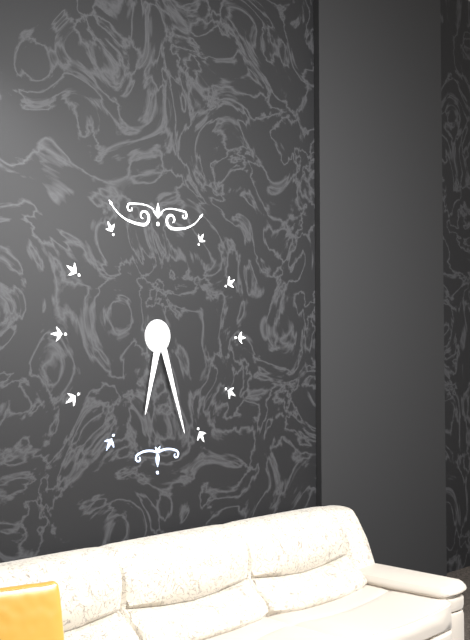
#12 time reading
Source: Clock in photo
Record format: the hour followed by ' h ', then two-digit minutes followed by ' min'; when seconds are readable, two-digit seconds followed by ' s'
6 h 27 min
